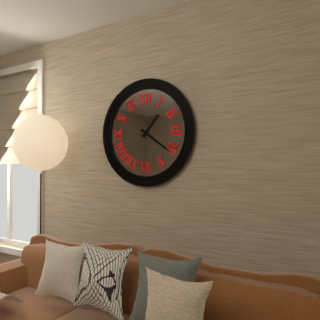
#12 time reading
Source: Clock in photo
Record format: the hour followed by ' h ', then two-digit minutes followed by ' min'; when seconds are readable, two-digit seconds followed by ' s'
1 h 21 min
